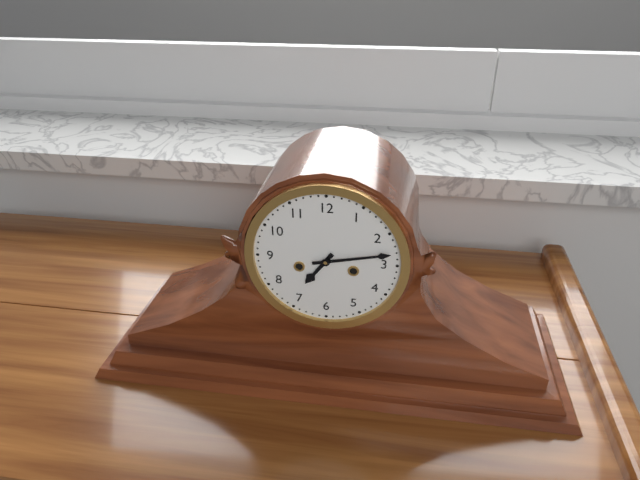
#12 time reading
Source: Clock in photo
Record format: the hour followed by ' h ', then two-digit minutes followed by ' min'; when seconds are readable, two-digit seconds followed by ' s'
7 h 13 min
